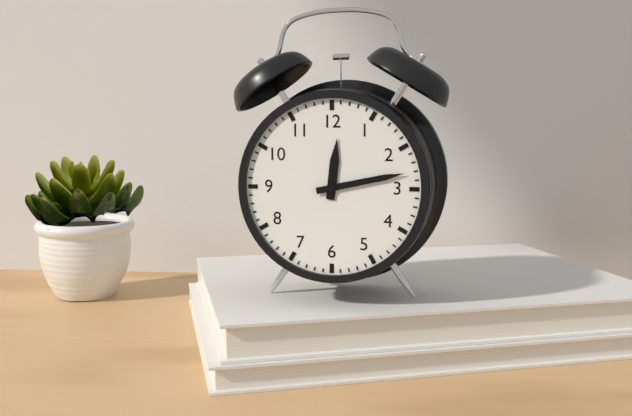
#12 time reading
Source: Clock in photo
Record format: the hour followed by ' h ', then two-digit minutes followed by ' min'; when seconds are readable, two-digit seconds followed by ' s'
12 h 13 min
